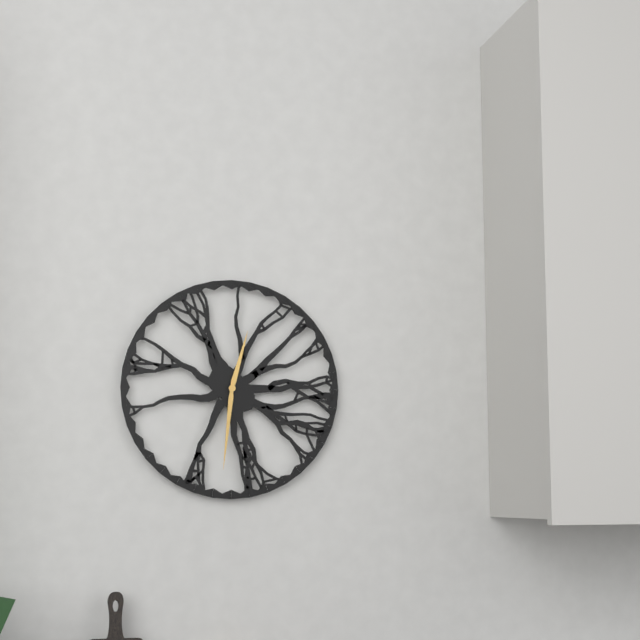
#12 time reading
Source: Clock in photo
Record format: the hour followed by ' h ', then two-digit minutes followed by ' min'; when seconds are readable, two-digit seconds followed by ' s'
12 h 31 min
